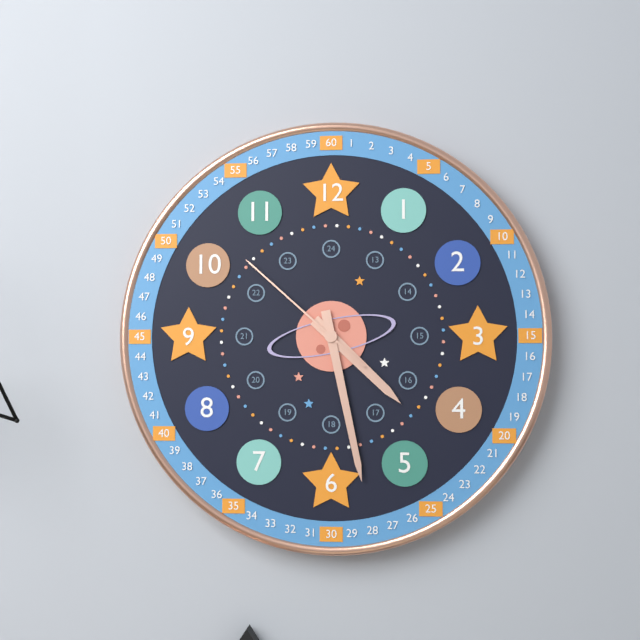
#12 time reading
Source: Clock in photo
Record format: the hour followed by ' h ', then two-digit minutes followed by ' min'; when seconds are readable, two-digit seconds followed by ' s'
4 h 28 min 52 s
